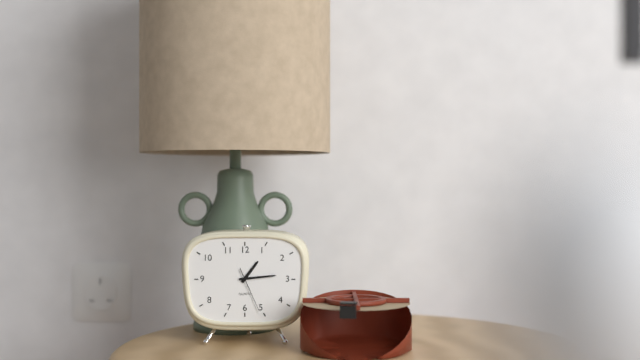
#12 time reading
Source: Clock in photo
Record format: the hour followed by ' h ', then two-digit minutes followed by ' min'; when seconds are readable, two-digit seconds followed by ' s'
1 h 14 min
